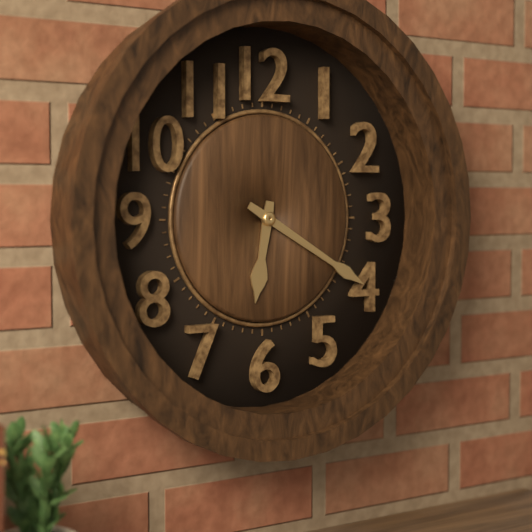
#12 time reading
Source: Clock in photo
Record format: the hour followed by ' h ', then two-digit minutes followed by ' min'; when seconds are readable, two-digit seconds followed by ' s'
6 h 20 min
